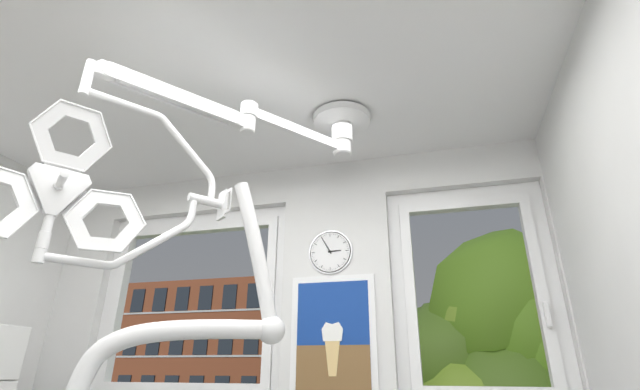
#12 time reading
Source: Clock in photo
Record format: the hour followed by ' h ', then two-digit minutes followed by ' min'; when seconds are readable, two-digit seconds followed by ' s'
2 h 55 min
